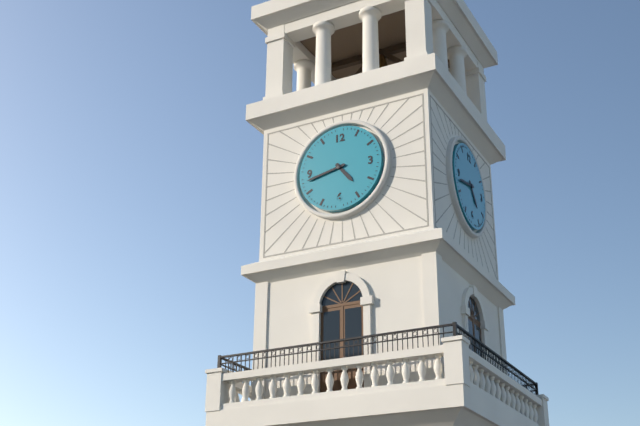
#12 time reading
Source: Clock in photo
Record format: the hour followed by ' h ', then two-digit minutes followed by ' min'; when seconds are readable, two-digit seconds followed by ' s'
4 h 43 min
